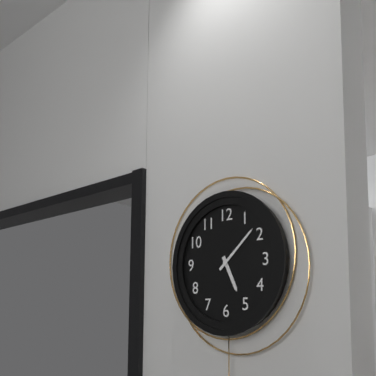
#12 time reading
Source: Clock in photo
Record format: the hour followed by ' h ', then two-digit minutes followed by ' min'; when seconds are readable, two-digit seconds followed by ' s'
5 h 08 min
